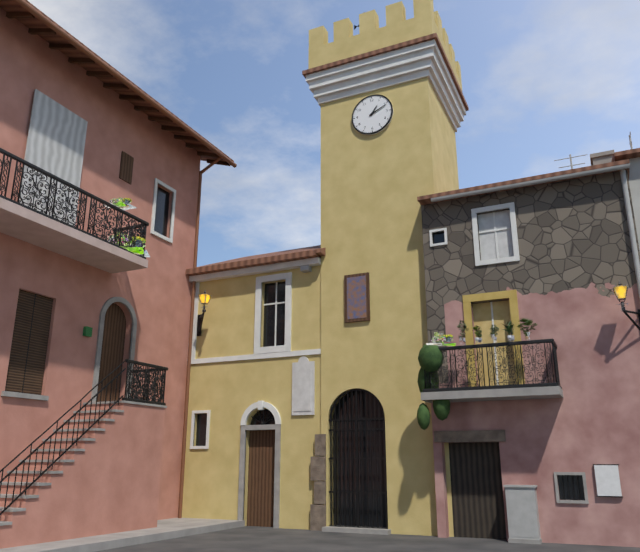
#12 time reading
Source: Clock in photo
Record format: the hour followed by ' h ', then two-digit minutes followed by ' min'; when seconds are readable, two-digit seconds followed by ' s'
1 h 11 min
